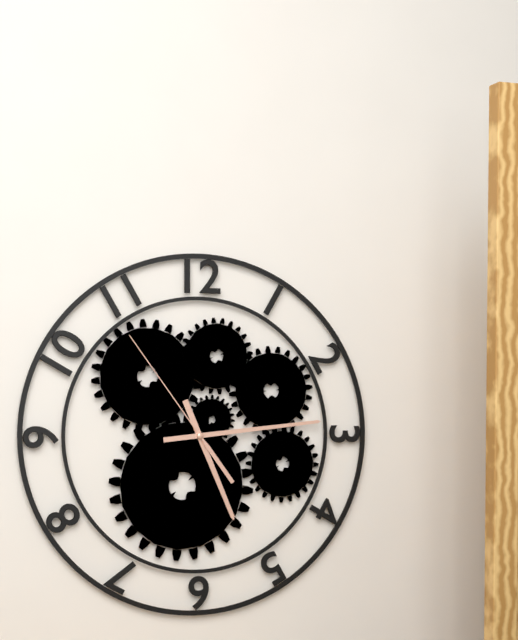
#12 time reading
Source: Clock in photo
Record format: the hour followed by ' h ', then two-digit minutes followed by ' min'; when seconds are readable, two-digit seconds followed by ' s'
5 h 14 min 54 s
